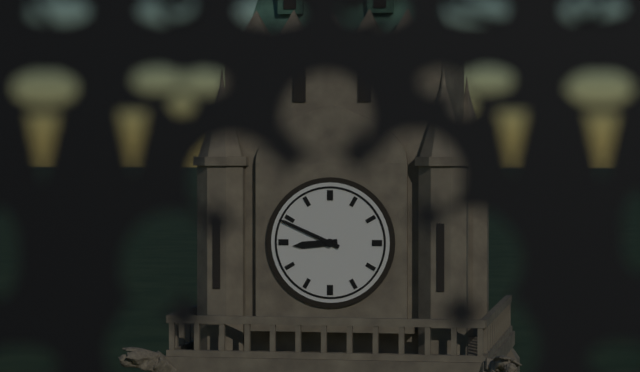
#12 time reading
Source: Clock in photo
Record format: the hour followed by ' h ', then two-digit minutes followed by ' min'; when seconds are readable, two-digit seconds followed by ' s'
8 h 49 min
